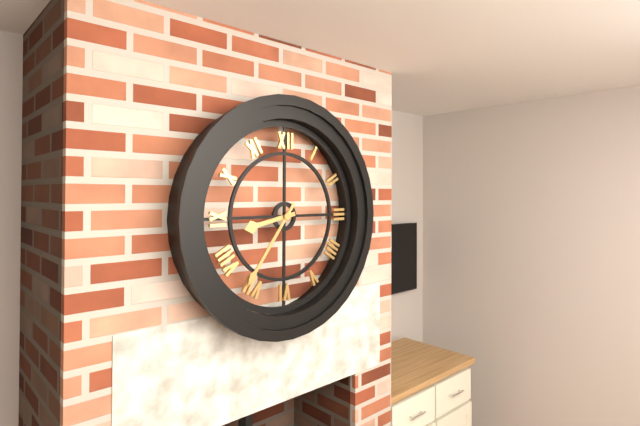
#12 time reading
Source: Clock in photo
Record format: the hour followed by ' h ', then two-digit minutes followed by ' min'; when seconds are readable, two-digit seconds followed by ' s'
8 h 36 min
